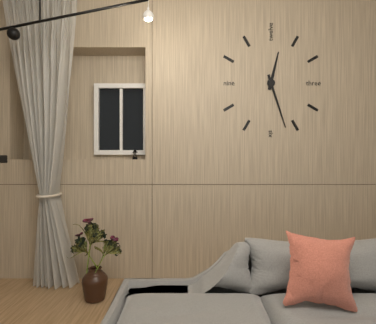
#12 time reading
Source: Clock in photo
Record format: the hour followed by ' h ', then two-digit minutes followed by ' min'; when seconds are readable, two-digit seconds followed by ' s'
12 h 27 min
